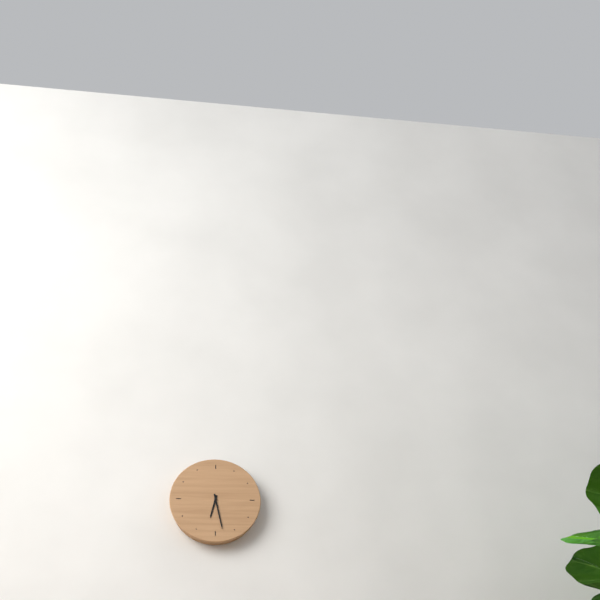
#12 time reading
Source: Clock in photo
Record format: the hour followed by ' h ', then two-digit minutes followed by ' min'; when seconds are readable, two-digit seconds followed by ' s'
6 h 28 min
